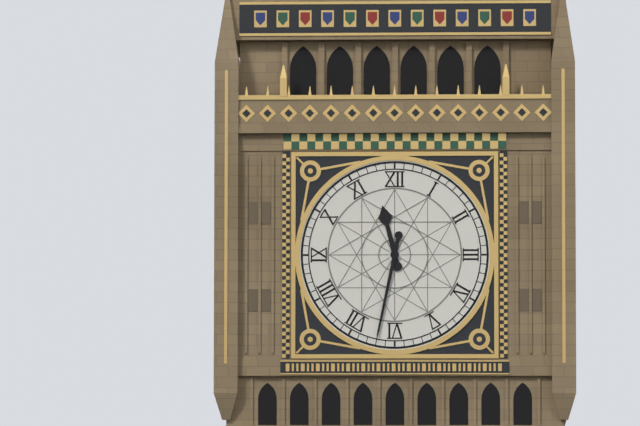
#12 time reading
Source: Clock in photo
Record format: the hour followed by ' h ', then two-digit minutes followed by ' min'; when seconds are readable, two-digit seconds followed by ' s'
11 h 32 min
